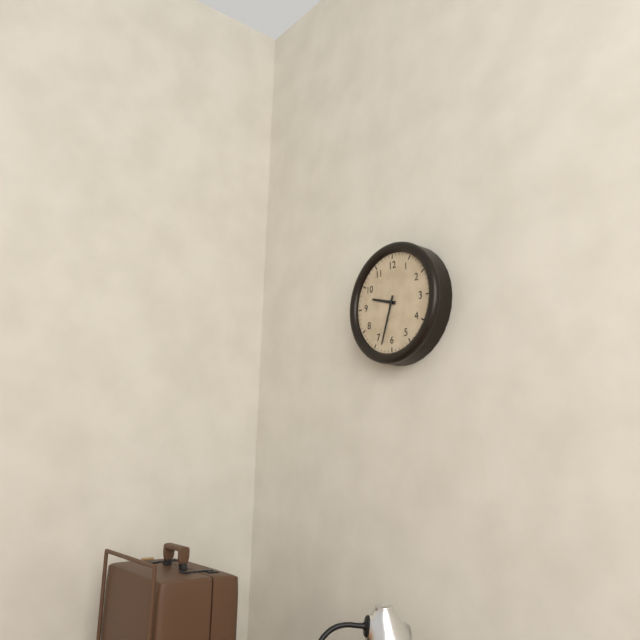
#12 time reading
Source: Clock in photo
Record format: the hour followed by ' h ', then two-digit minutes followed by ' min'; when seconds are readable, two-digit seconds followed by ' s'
9 h 33 min
